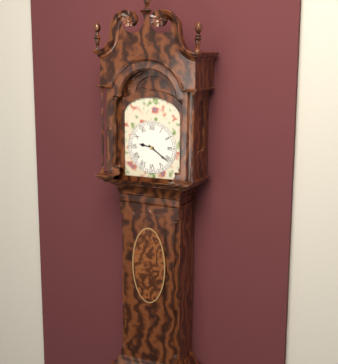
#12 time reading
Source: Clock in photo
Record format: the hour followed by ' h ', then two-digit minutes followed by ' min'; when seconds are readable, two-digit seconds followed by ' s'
9 h 21 min
